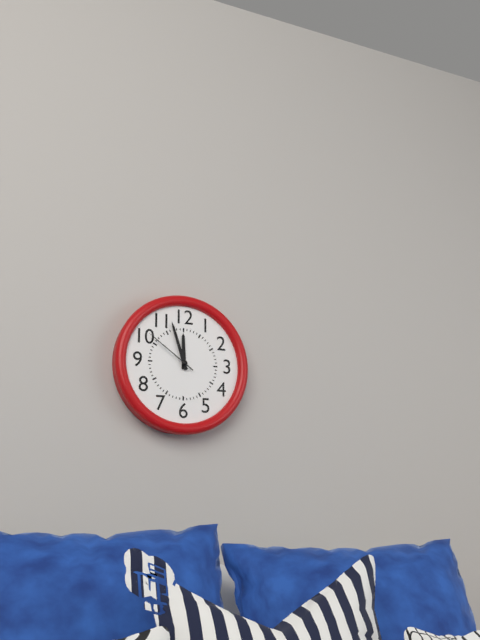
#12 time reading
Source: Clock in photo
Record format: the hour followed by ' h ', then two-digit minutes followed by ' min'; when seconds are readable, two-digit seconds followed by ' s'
11 h 57 min 51 s
